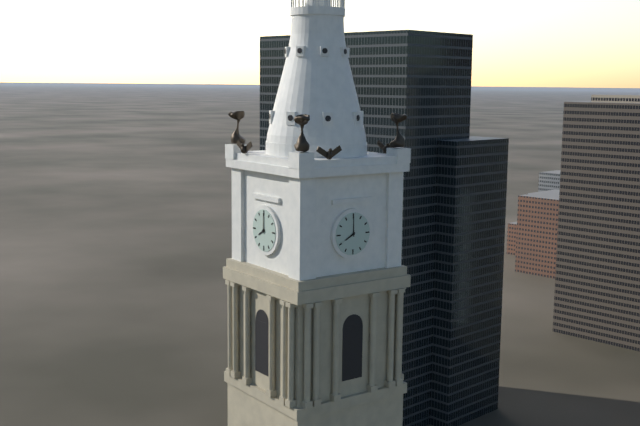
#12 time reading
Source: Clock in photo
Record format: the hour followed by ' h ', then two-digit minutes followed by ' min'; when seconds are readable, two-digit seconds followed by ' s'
8 h 00 min
